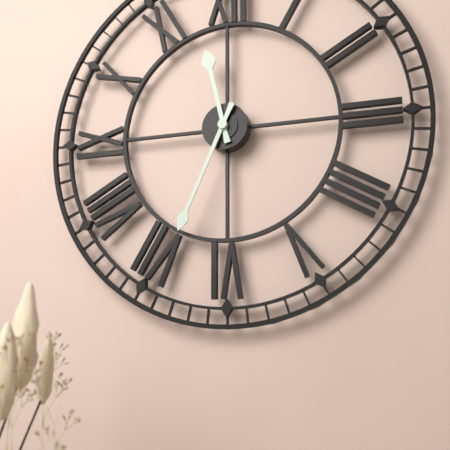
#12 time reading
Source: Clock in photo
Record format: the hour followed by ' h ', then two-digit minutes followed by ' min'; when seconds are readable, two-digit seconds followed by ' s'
11 h 34 min
